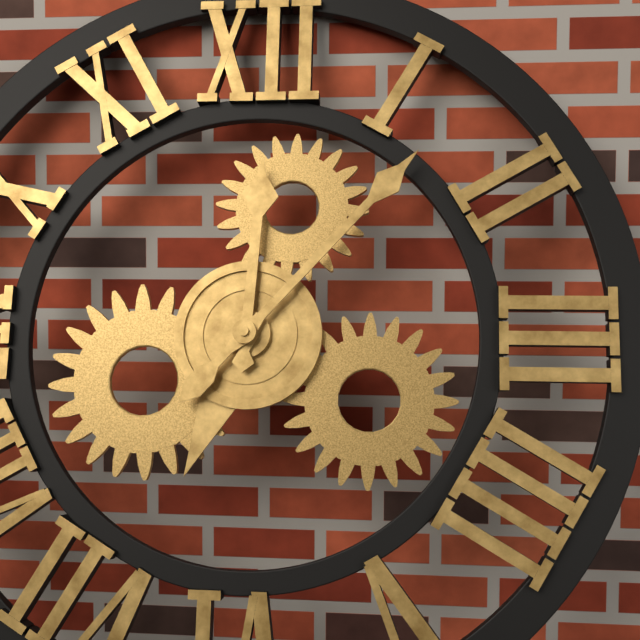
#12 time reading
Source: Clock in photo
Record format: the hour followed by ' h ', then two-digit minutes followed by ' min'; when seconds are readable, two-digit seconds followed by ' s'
12 h 07 min
